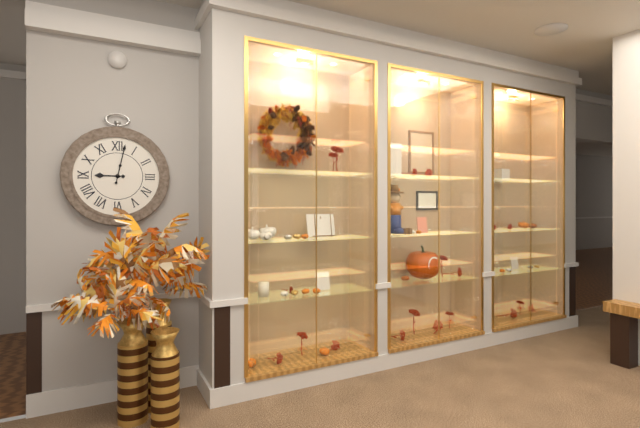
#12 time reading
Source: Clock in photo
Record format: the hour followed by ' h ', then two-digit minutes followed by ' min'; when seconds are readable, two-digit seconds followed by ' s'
9 h 02 min
